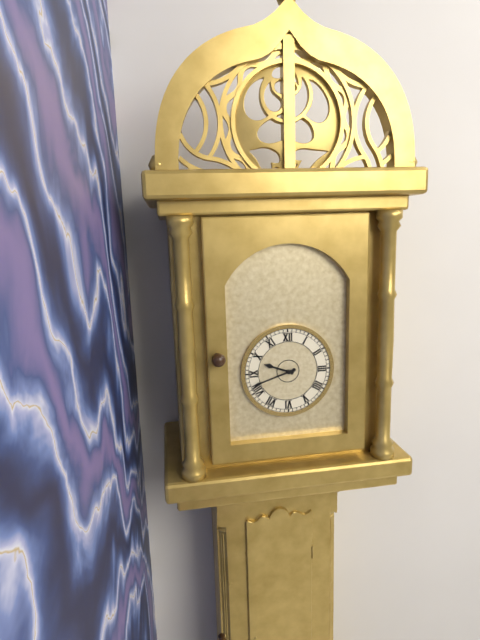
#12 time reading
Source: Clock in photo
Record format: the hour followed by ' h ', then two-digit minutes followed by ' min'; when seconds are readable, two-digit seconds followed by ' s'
9 h 42 min
